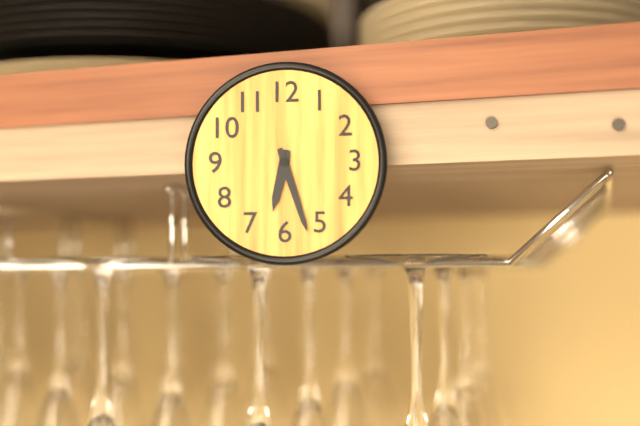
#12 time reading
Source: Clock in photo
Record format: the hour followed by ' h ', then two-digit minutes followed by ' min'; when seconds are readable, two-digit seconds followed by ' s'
6 h 27 min
